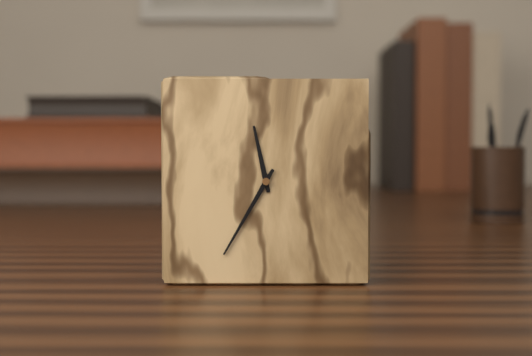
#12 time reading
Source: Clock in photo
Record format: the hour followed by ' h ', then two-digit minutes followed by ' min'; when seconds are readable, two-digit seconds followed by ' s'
11 h 35 min
